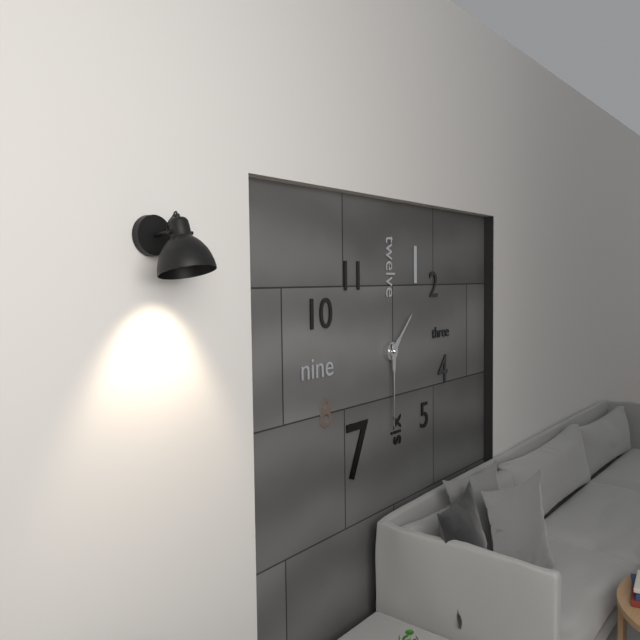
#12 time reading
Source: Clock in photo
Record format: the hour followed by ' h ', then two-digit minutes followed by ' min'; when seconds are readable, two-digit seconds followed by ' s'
1 h 30 min
